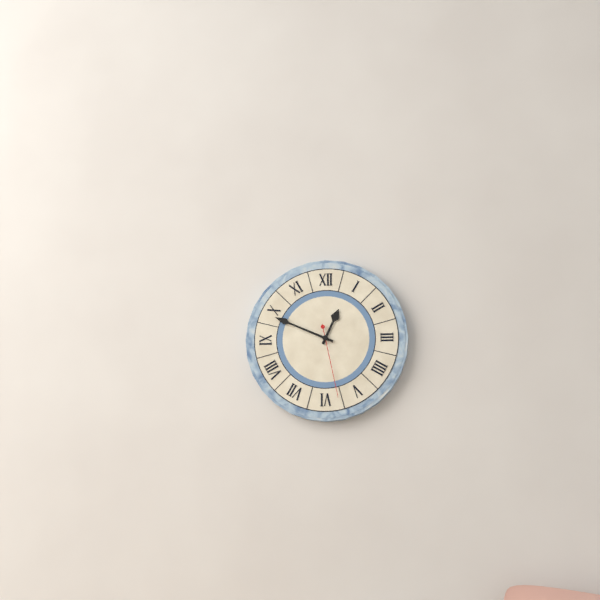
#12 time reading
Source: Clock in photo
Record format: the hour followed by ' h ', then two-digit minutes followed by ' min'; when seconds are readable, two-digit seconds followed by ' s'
12 h 49 min 28 s
